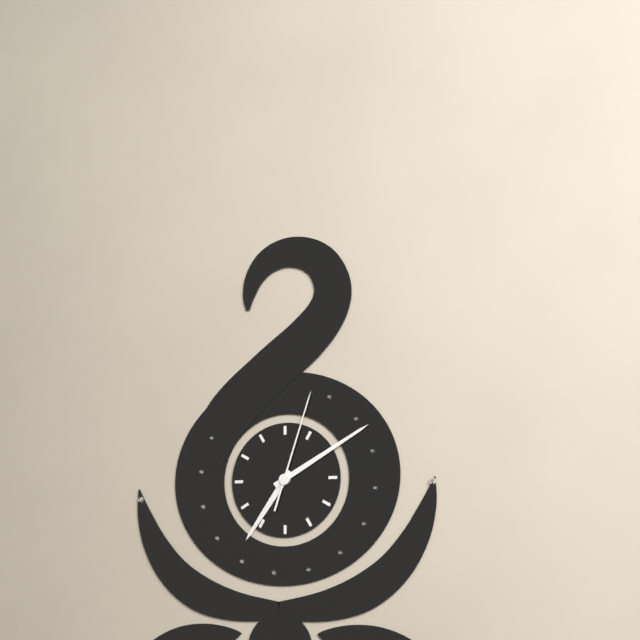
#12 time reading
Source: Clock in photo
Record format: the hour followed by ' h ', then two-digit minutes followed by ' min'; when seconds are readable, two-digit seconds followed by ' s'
7 h 10 min 03 s
